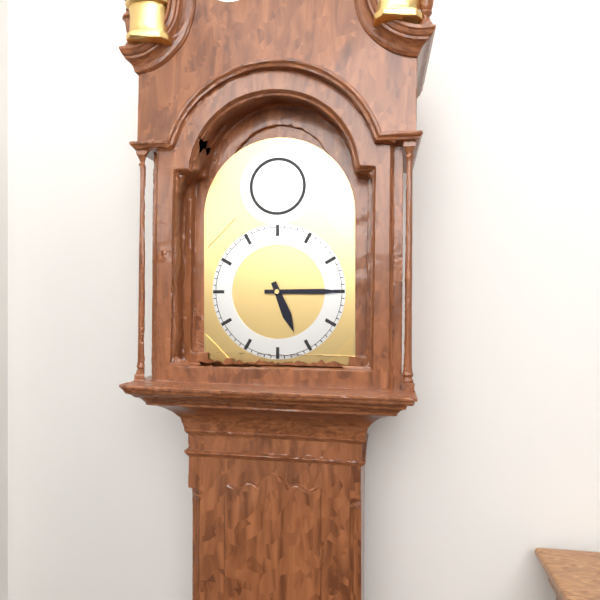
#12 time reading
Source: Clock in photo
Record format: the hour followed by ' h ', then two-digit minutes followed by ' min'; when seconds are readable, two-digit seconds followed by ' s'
5 h 15 min
